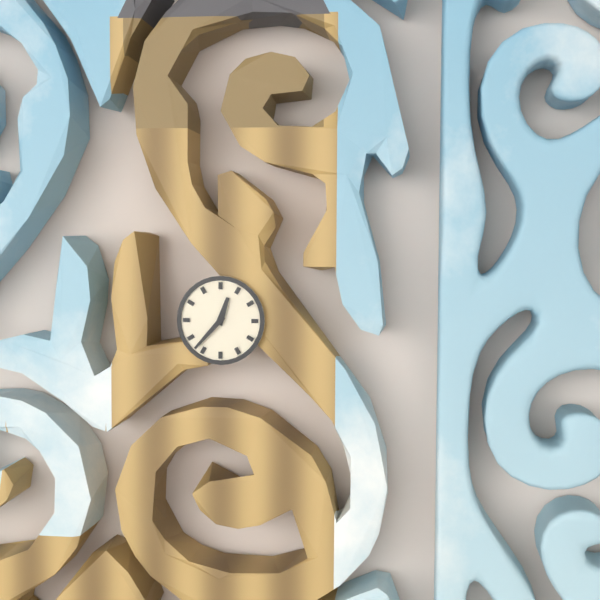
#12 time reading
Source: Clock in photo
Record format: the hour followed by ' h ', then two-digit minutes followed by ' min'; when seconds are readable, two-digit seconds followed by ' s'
12 h 37 min
